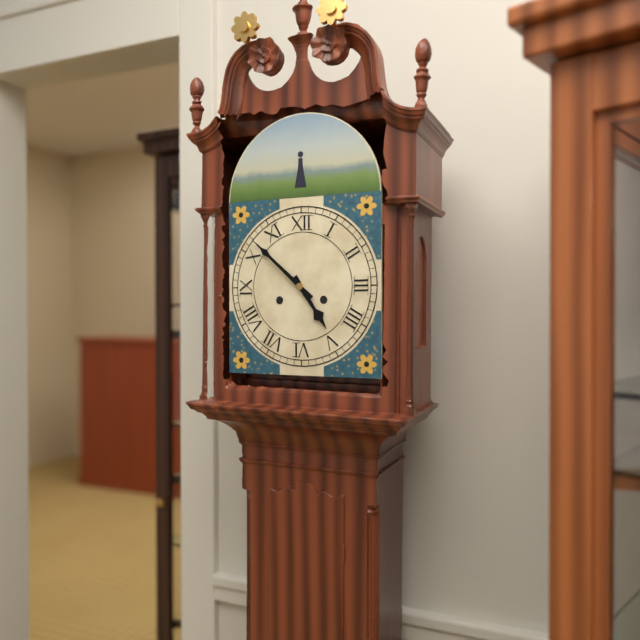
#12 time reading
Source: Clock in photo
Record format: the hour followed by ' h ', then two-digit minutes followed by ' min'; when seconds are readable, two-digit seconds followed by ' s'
4 h 52 min
